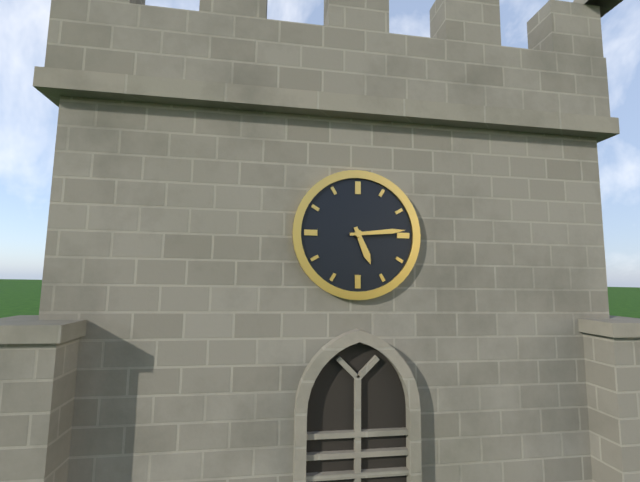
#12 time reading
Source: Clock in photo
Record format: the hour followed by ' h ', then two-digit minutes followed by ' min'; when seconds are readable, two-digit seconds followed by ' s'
5 h 14 min
